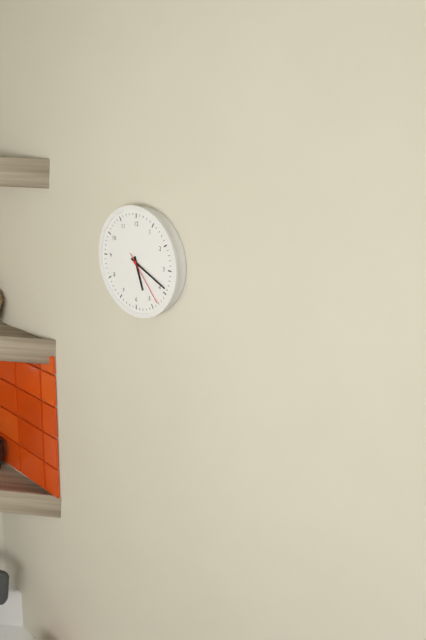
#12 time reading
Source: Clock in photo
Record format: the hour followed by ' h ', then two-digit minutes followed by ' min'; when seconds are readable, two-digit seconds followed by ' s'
5 h 19 min 23 s
